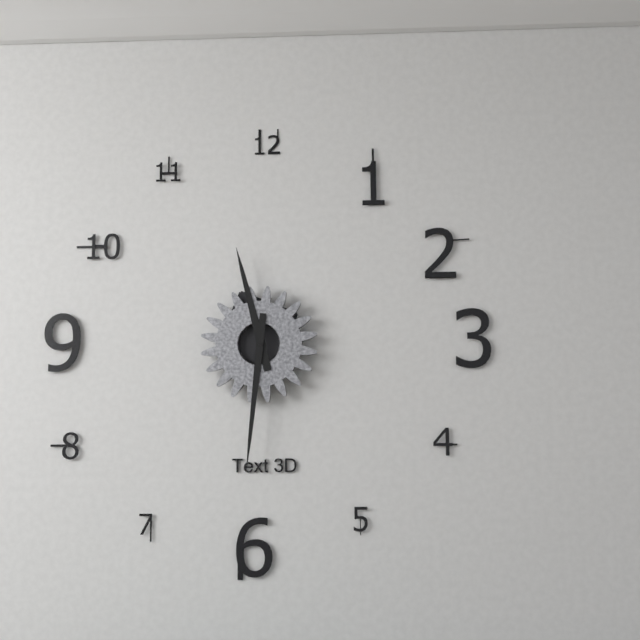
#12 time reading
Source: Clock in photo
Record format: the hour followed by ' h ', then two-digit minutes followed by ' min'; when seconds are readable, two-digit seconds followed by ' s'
11 h 31 min
